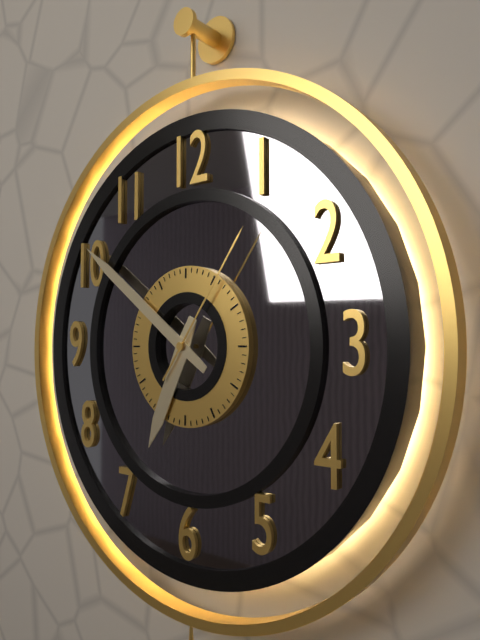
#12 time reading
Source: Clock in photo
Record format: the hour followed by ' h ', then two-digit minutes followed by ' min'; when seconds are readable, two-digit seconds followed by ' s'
6 h 51 min 06 s
